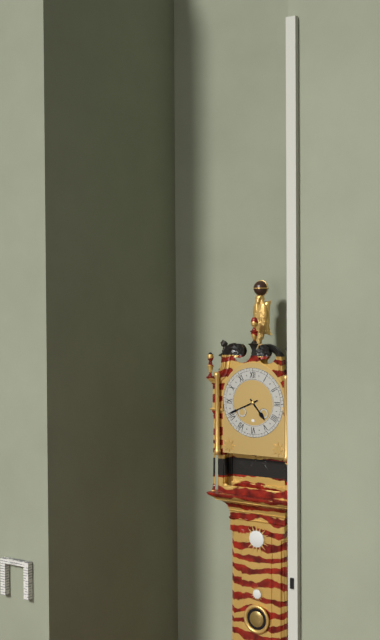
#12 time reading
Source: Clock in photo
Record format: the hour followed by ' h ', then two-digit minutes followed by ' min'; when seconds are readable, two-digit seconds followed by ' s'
4 h 41 min
